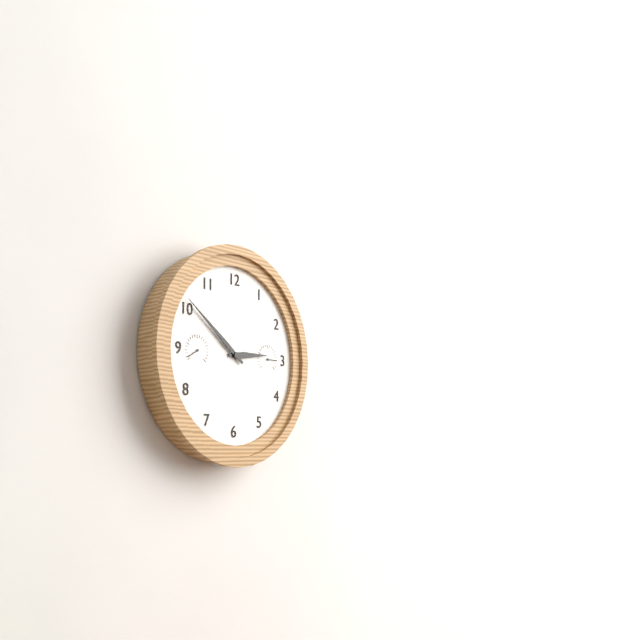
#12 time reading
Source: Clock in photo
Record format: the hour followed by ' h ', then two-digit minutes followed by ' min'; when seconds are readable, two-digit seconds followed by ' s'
2 h 51 min
